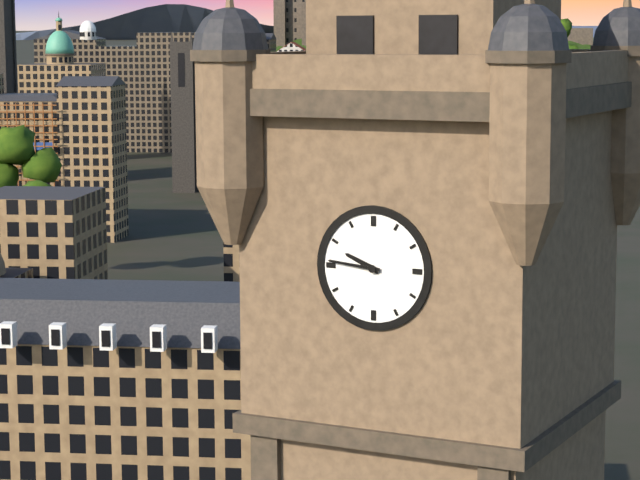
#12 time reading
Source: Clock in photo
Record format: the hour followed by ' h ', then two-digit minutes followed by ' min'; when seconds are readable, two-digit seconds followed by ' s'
9 h 46 min
